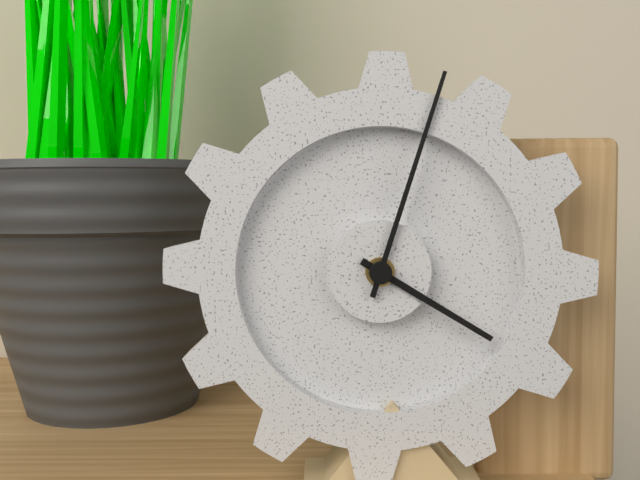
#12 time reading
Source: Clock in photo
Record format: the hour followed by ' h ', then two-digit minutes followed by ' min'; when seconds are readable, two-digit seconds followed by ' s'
4 h 03 min
